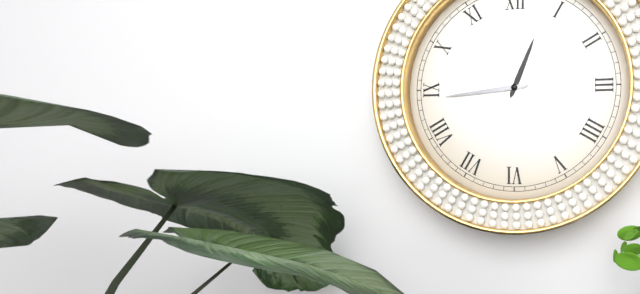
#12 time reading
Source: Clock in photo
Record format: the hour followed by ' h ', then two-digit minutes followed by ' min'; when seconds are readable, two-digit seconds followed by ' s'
12 h 44 min
